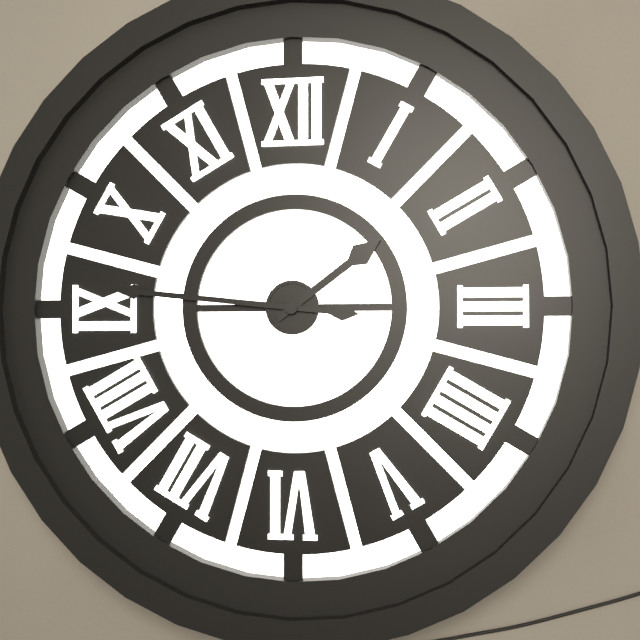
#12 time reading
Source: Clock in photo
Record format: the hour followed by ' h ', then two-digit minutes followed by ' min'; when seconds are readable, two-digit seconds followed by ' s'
1 h 46 min
